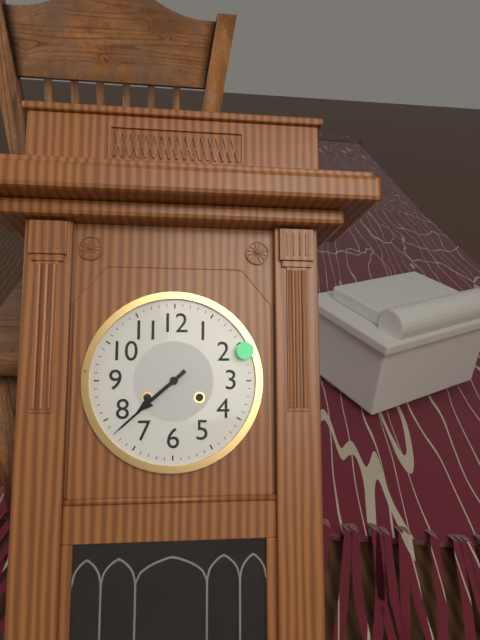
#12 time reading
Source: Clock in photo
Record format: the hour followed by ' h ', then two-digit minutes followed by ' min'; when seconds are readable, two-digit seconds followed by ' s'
7 h 38 min
